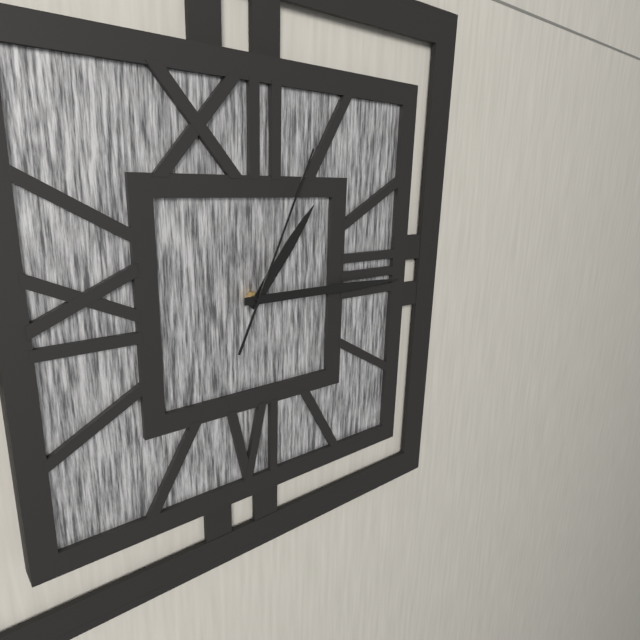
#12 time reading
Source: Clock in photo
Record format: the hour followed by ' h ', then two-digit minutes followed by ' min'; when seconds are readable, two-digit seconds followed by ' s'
1 h 15 min 04 s
